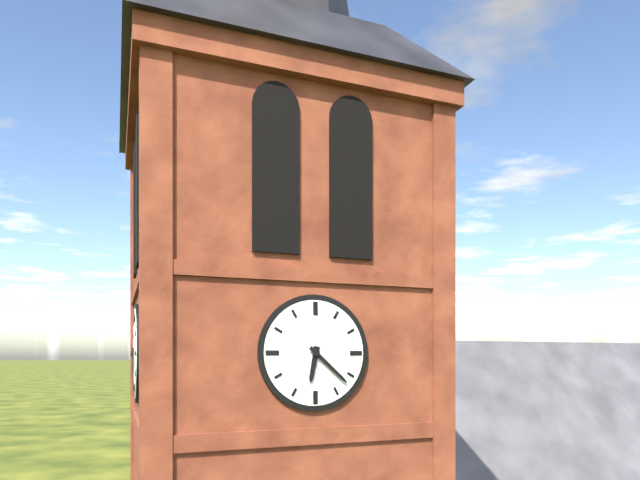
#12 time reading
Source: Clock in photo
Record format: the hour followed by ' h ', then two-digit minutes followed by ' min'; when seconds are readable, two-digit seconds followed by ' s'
6 h 22 min
